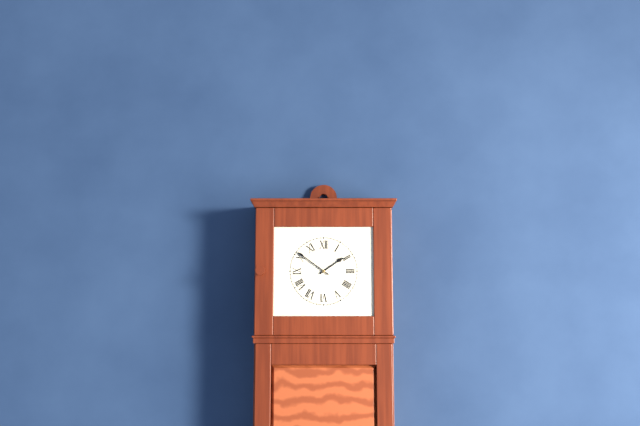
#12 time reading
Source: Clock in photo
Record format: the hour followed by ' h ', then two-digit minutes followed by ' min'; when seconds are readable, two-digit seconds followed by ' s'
1 h 51 min
